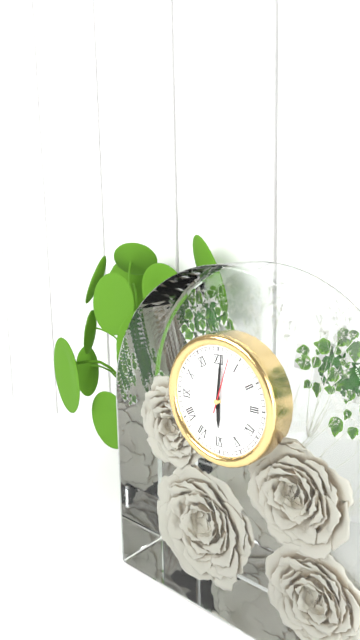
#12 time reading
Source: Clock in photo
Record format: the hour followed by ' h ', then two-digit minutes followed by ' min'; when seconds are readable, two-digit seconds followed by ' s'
6 h 01 min 03 s
